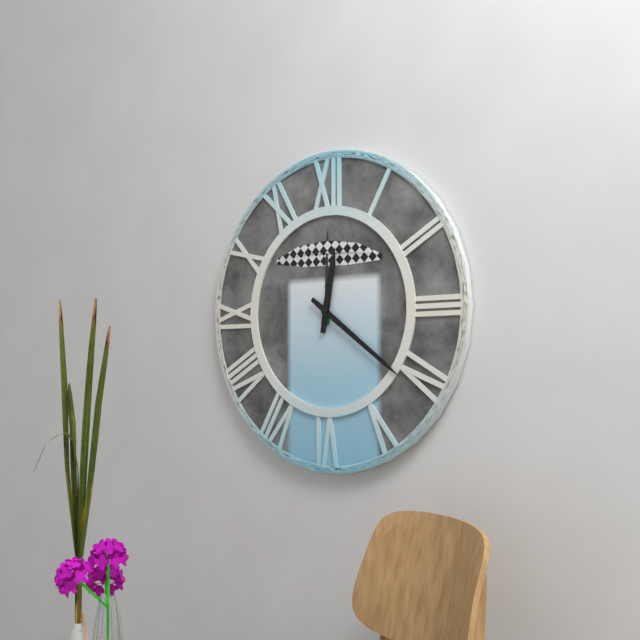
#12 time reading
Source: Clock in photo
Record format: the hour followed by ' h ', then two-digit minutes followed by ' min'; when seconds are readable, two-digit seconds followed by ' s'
12 h 21 min
